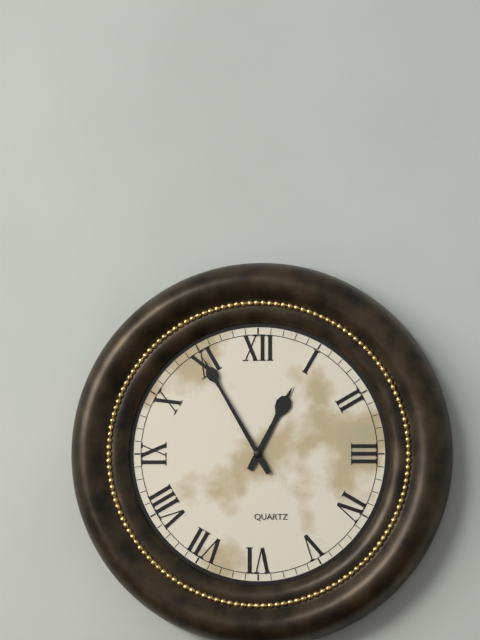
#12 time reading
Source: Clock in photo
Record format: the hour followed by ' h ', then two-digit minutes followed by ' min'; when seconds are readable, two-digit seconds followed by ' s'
12 h 55 min
